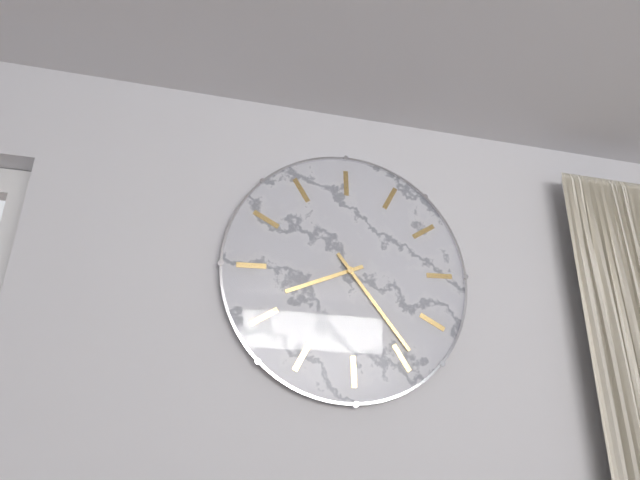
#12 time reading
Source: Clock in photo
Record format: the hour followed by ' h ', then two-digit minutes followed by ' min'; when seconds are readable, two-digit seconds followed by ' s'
7 h 19 min
